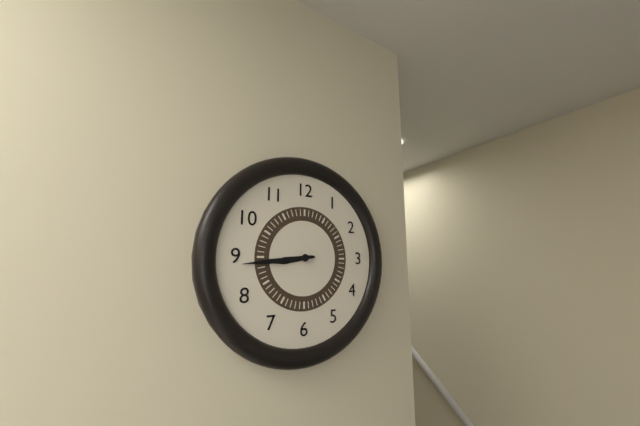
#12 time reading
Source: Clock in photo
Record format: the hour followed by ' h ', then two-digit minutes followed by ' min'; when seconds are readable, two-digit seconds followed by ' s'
8 h 44 min
